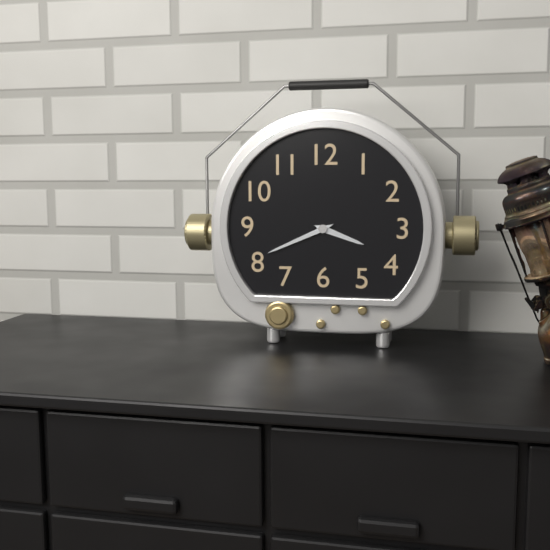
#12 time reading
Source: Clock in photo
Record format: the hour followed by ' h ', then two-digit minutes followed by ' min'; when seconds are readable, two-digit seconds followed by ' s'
3 h 41 min
